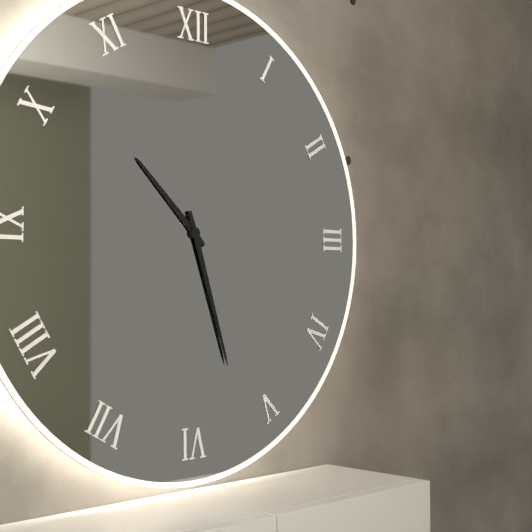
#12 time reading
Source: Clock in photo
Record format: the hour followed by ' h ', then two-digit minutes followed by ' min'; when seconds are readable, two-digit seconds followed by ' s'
10 h 27 min
